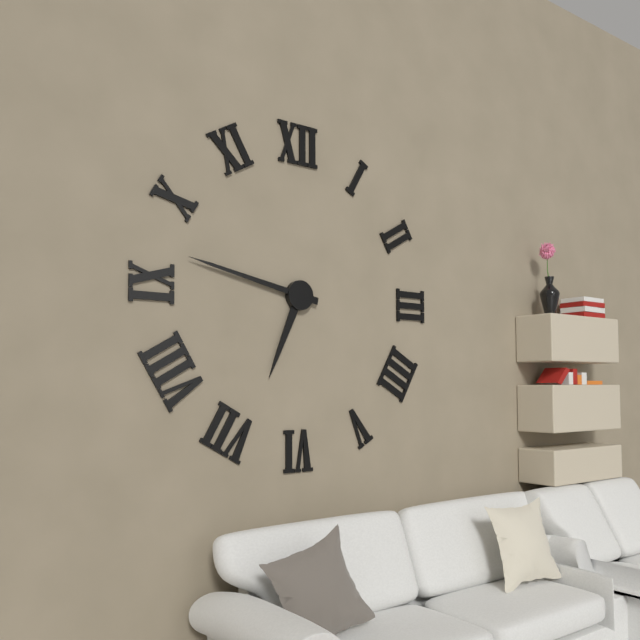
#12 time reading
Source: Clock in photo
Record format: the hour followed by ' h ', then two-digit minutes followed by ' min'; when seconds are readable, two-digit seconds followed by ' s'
6 h 47 min
